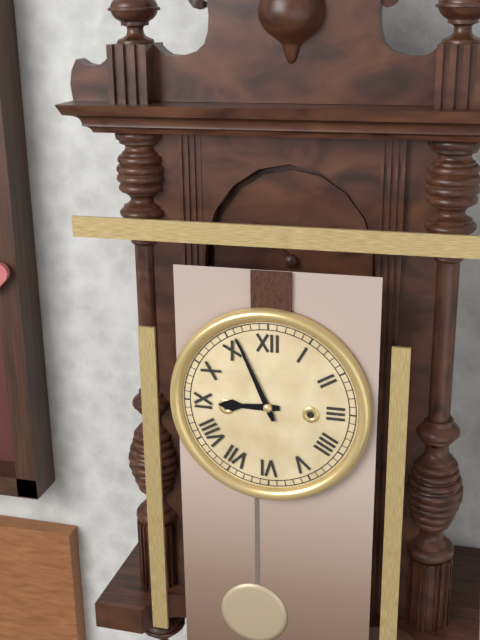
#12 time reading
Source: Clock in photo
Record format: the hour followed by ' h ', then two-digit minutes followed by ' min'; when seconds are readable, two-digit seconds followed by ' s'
8 h 56 min
